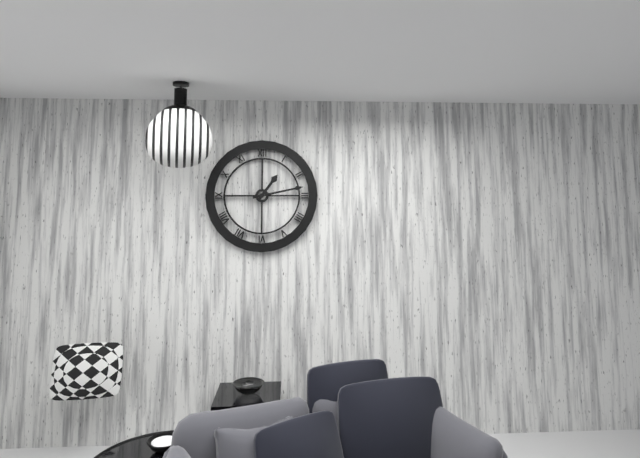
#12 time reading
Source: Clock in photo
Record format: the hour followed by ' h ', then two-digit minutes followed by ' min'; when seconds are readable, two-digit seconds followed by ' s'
1 h 13 min
